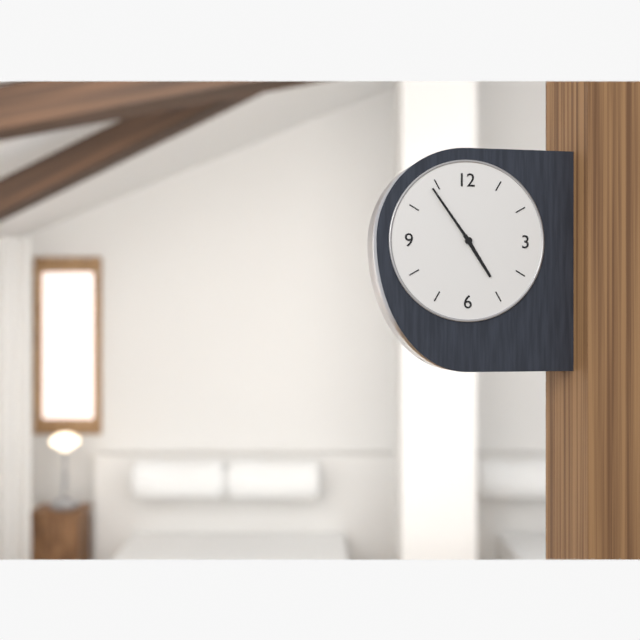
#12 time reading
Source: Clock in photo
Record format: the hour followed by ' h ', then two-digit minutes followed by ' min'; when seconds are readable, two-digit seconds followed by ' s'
4 h 54 min
